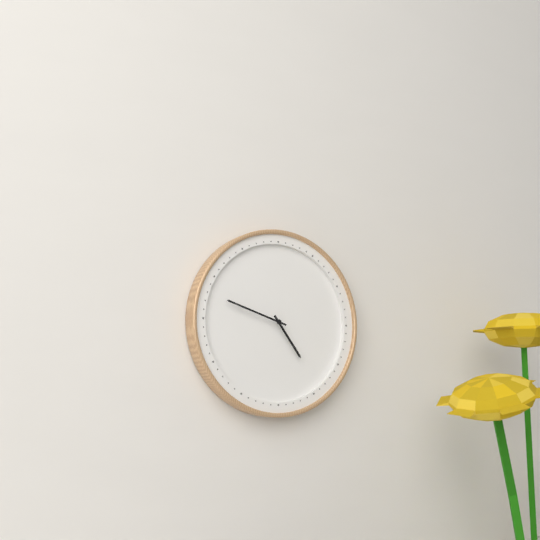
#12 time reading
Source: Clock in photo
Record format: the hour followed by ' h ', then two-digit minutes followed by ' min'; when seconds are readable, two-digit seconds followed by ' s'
4 h 48 min
